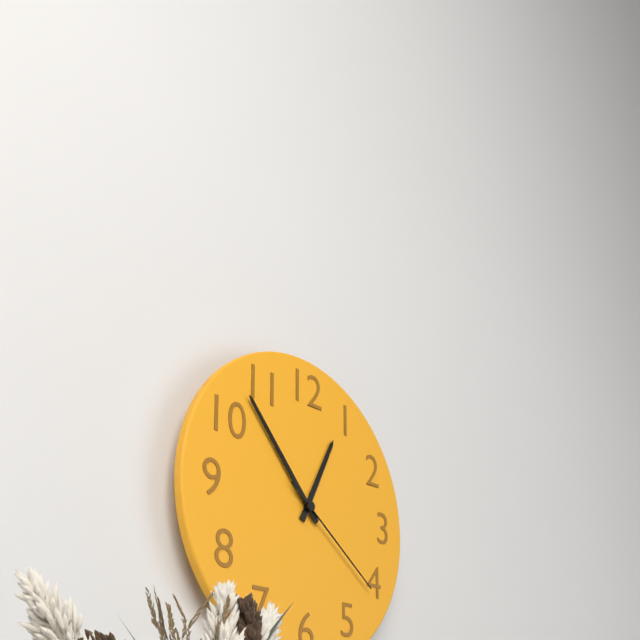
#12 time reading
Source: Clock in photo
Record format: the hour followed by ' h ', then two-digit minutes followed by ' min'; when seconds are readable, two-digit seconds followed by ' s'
12 h 53 min 21 s
